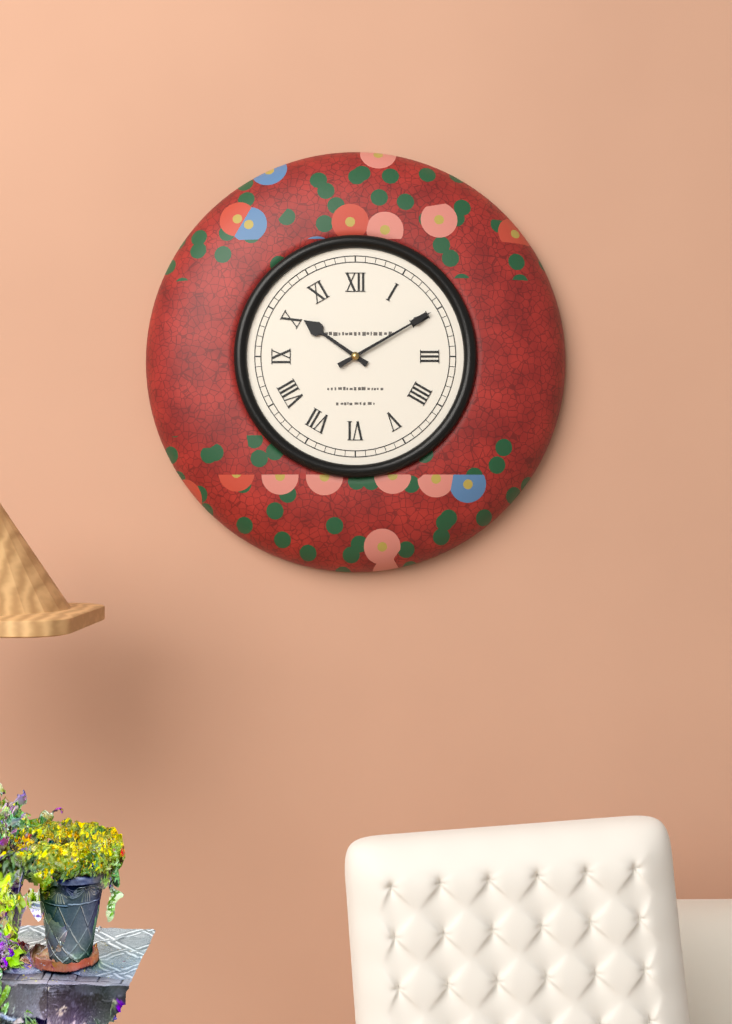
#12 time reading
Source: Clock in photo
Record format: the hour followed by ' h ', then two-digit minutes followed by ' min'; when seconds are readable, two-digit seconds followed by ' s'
10 h 10 min
